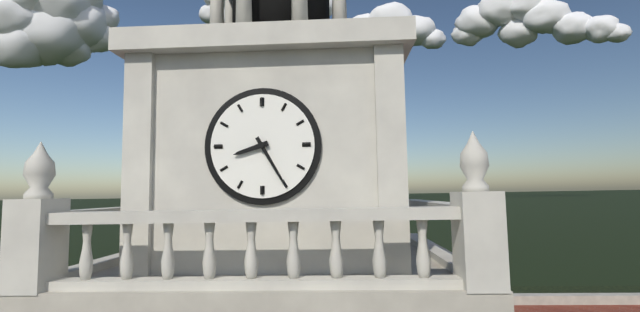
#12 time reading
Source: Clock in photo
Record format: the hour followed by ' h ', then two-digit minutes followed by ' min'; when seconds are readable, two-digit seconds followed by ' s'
8 h 25 min
